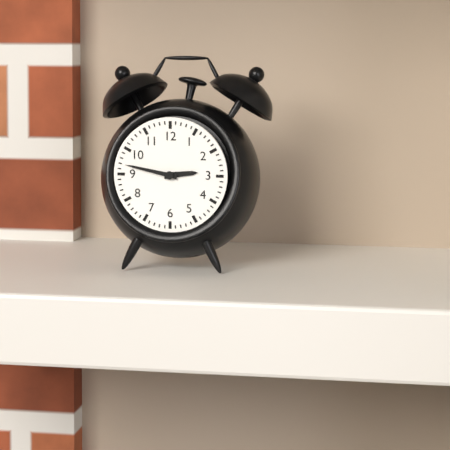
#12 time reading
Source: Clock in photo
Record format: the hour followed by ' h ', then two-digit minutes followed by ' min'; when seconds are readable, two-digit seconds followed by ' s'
2 h 47 min
